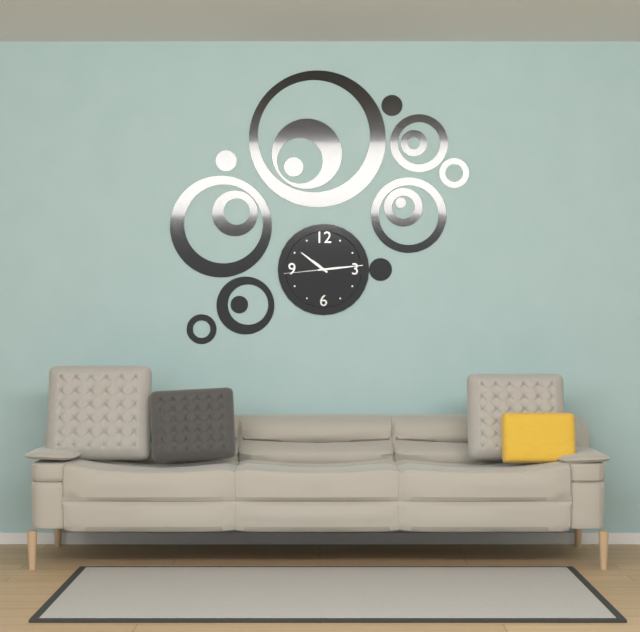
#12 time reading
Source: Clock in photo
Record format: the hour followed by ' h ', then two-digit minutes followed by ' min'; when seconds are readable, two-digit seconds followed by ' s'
10 h 14 min
